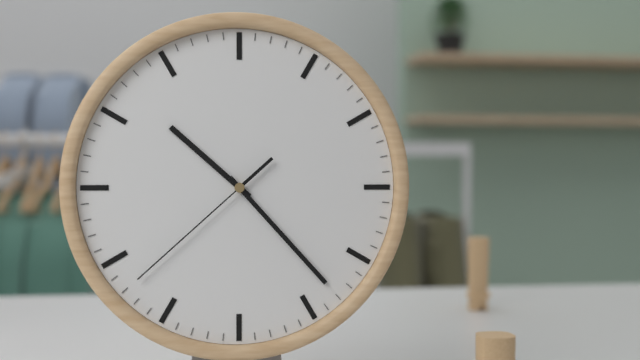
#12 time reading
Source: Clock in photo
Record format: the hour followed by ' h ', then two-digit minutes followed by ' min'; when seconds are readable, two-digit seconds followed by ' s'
10 h 23 min 38 s
